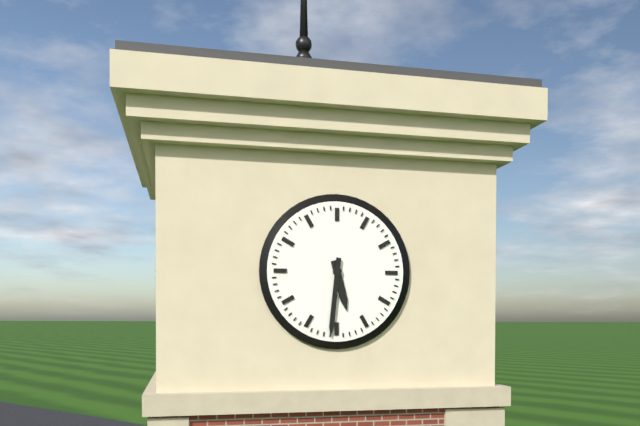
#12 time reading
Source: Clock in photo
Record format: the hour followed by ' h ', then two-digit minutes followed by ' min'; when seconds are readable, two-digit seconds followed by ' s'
5 h 31 min
